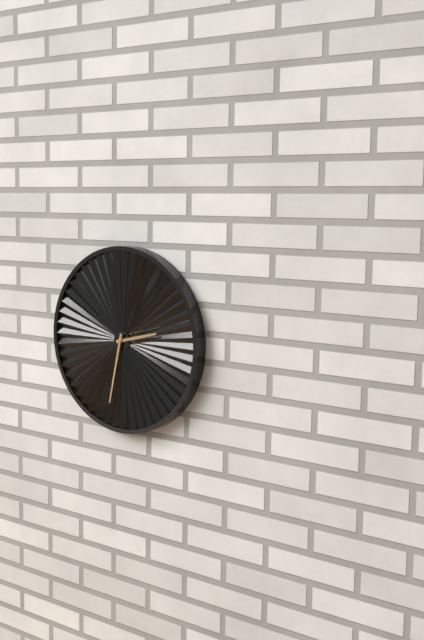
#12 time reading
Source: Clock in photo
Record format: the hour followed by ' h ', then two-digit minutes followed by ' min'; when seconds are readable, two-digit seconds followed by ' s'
2 h 32 min
